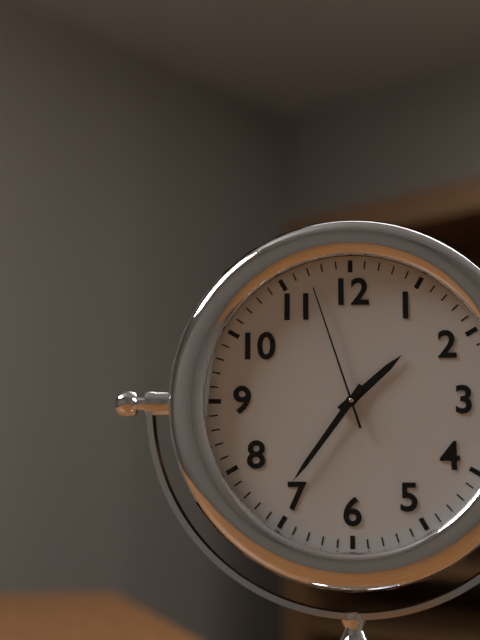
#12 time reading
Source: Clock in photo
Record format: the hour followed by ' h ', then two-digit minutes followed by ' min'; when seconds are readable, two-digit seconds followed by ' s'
1 h 36 min 57 s
